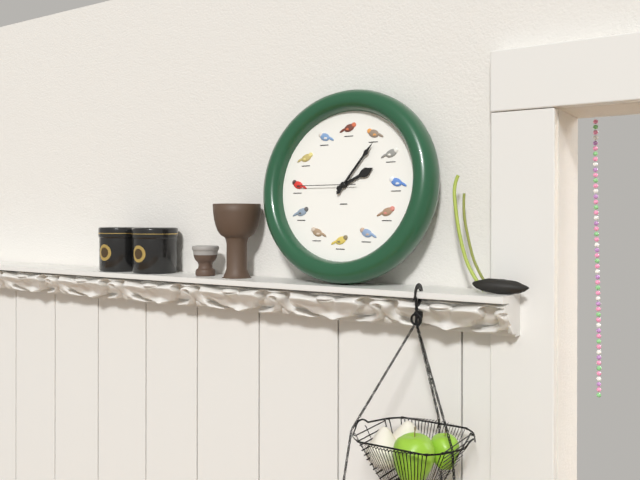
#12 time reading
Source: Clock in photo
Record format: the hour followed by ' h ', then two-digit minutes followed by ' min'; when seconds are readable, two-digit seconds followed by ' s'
2 h 06 min 45 s
